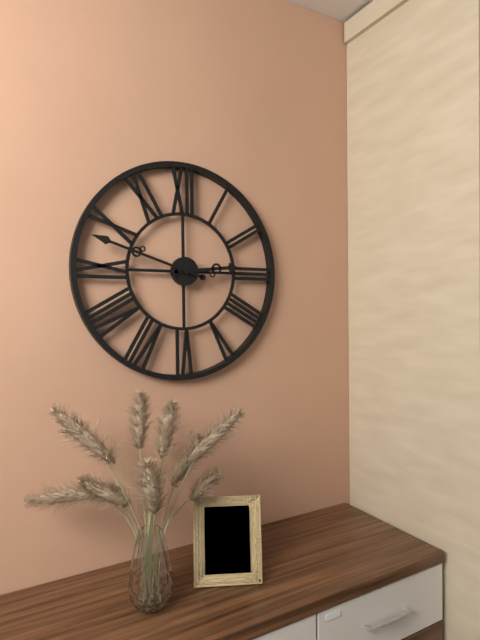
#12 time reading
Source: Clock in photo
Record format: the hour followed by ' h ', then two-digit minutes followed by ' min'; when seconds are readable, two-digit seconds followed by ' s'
2 h 48 min
